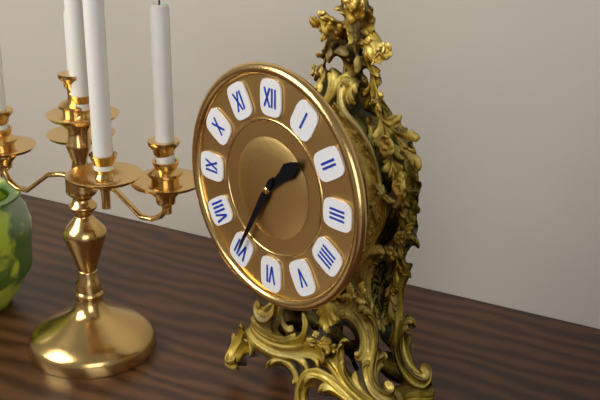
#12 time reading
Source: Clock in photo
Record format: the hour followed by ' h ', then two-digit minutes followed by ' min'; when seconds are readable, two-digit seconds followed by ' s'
1 h 35 min
